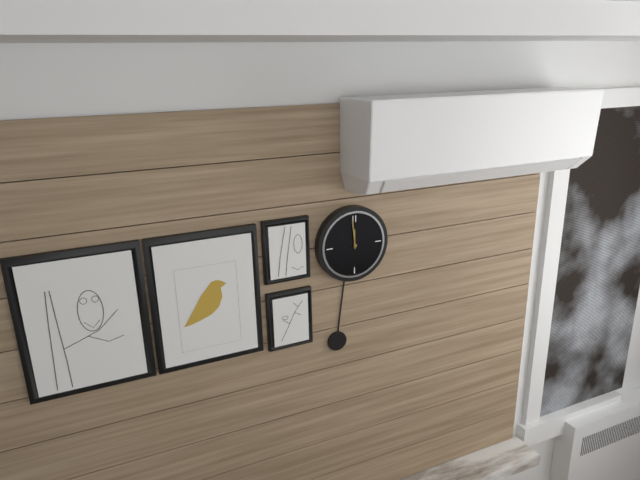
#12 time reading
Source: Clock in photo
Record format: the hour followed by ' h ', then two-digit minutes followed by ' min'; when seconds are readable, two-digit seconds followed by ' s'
11 h 59 min
